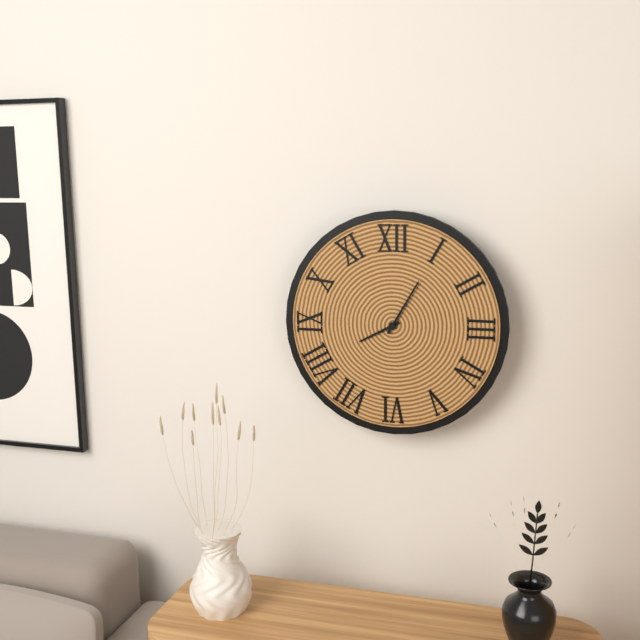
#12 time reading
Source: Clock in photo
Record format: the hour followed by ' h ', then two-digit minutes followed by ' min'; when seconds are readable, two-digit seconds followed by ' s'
8 h 05 min
